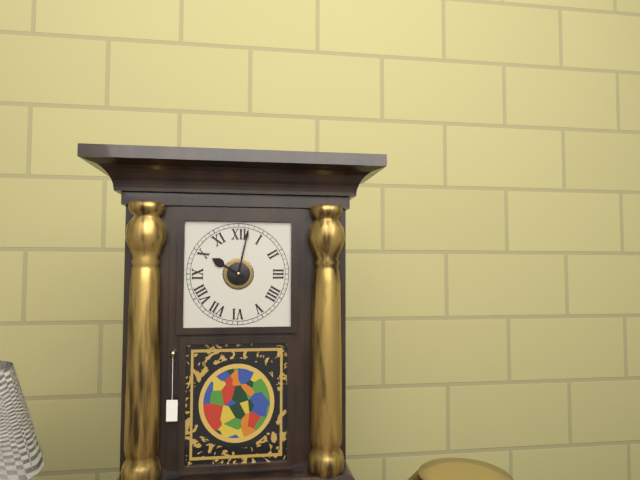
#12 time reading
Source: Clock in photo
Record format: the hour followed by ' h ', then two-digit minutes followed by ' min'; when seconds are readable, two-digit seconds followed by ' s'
10 h 02 min
